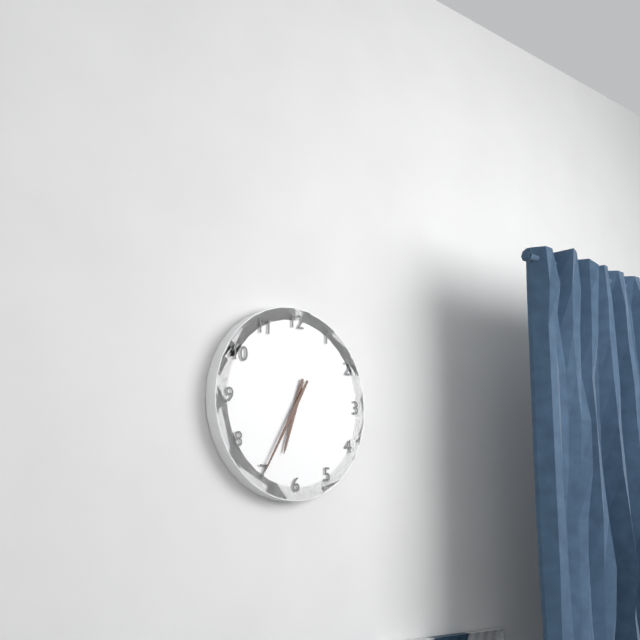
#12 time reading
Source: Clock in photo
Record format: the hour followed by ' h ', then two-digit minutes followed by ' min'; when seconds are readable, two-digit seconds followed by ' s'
6 h 35 min
